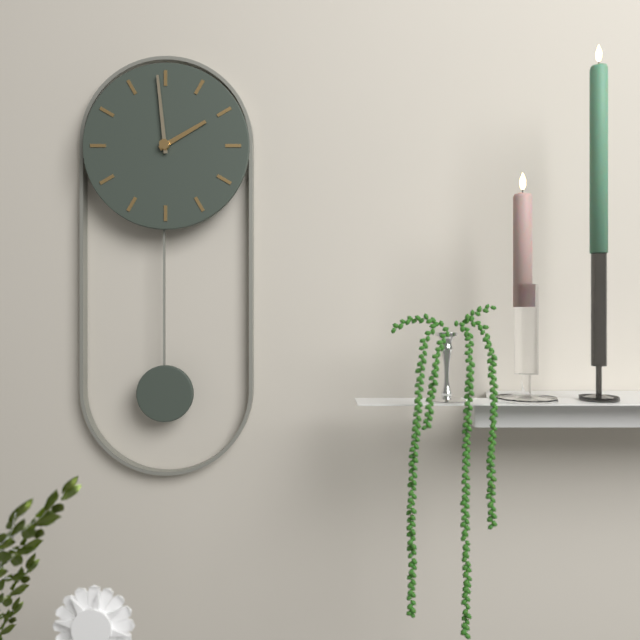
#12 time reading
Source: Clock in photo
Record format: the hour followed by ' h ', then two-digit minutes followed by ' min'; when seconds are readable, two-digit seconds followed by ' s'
1 h 59 min
